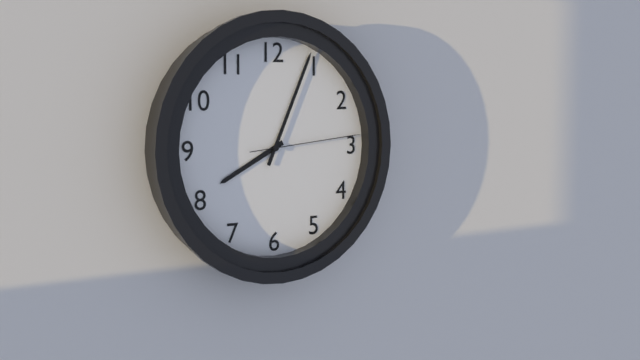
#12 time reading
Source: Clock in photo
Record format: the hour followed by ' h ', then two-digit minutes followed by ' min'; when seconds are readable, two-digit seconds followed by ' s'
8 h 04 min 14 s
